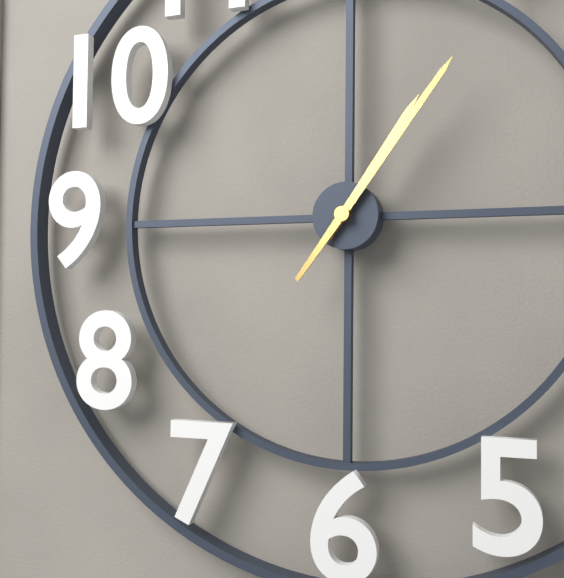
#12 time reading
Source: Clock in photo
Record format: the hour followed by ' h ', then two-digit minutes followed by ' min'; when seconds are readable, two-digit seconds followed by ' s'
1 h 06 min
